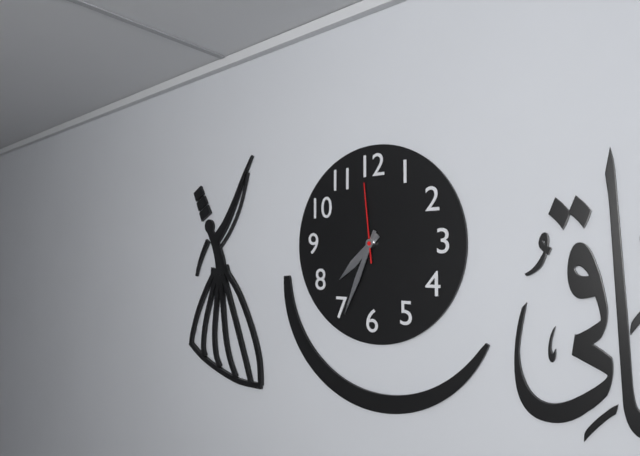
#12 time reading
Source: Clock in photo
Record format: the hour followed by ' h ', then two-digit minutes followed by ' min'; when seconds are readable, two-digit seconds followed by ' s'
7 h 34 min 59 s
